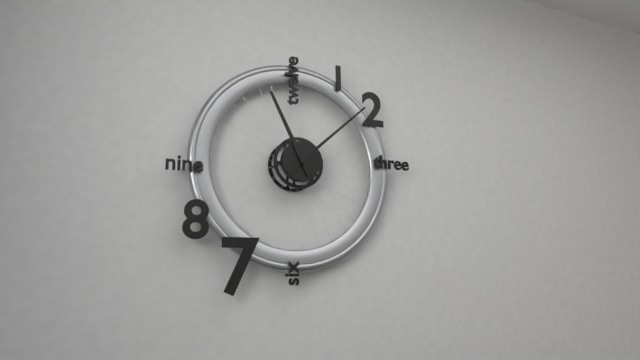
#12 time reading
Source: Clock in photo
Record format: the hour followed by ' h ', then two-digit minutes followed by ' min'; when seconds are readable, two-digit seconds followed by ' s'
11 h 08 min
